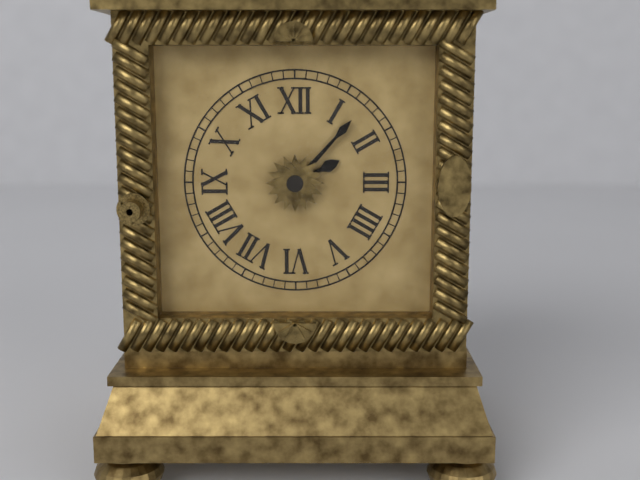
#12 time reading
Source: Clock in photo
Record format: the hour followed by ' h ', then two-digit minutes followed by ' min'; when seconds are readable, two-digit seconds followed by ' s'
2 h 07 min
